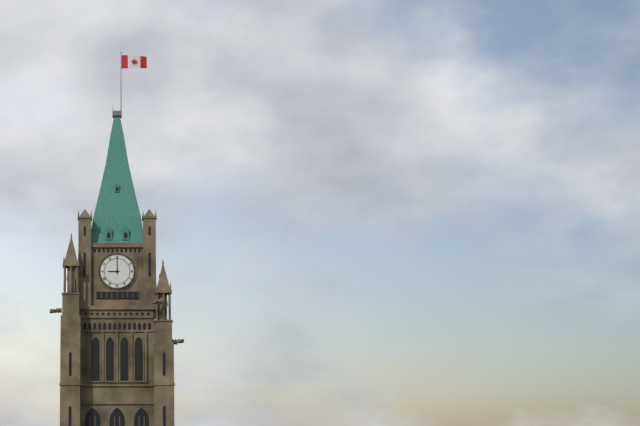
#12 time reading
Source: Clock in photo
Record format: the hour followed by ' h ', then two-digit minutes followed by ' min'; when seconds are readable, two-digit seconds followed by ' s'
9 h 00 min
